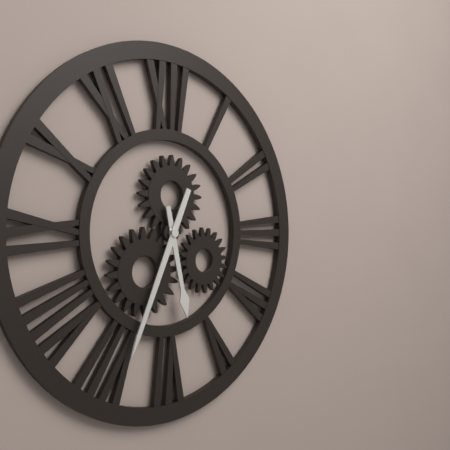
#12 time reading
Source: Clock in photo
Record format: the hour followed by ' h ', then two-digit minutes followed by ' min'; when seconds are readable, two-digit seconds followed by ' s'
5 h 34 min
